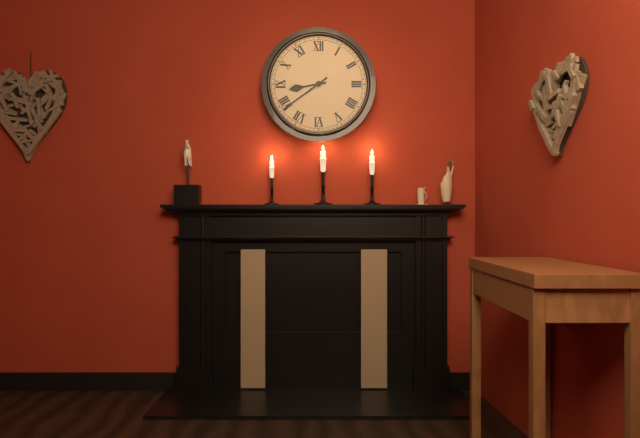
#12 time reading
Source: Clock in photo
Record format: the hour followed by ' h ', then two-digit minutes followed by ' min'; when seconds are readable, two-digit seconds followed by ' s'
8 h 39 min
